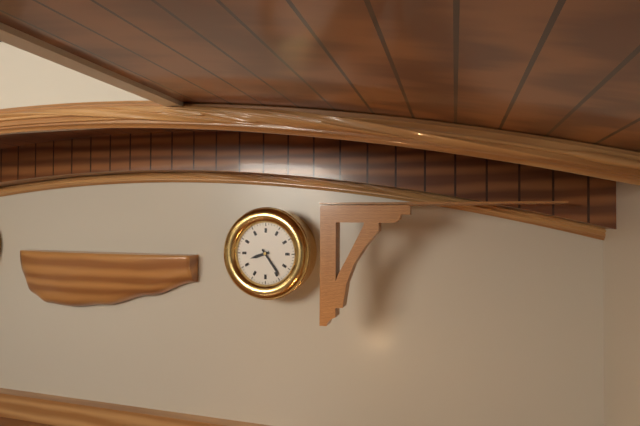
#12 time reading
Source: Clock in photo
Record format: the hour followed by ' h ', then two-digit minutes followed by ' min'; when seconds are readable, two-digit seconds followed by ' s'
8 h 24 min
